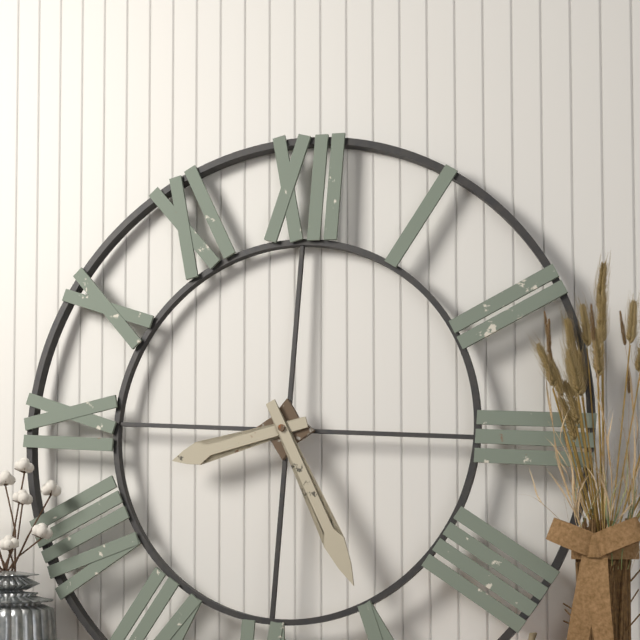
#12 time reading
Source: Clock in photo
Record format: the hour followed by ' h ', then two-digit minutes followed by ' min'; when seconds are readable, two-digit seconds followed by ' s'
8 h 25 min
